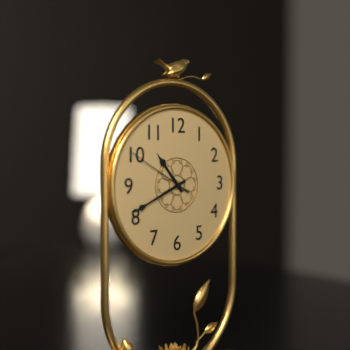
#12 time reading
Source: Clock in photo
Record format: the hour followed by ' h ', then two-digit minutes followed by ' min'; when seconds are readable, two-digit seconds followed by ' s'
10 h 41 min 50 s
